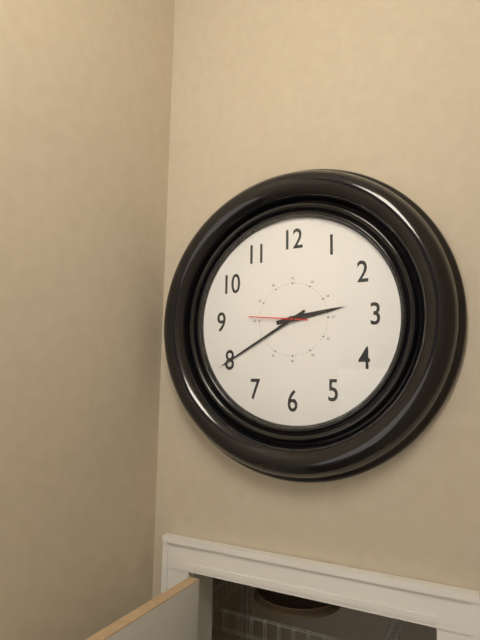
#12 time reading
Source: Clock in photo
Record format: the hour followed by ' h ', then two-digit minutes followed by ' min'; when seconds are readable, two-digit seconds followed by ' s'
2 h 40 min 46 s
